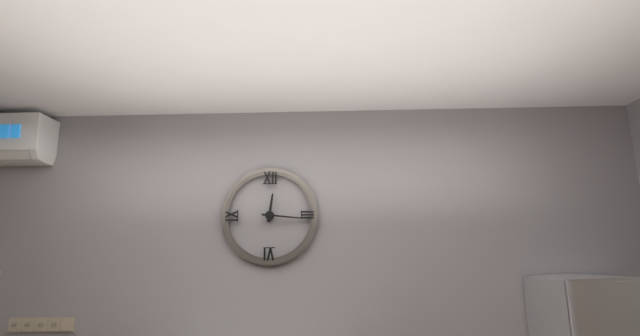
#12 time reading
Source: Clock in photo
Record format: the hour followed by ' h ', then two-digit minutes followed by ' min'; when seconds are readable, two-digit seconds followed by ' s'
12 h 16 min
